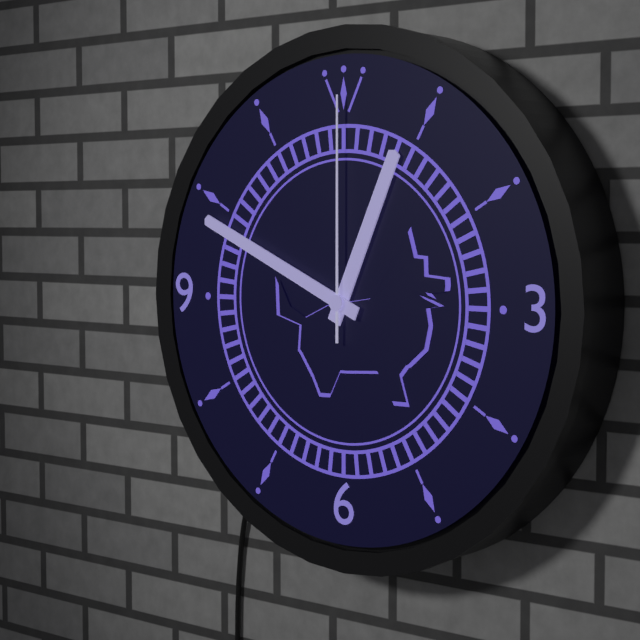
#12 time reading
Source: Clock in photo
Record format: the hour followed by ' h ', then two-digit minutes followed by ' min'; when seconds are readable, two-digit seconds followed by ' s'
12 h 49 min 00 s
